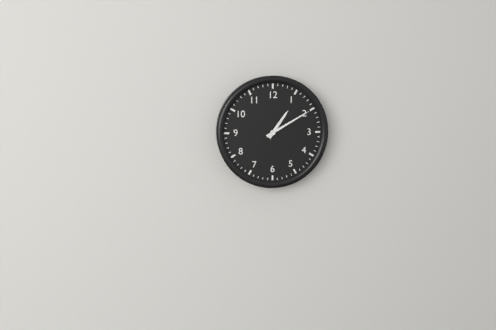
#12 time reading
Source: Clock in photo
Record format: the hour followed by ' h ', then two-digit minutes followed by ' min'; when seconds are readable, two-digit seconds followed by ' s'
1 h 10 min
